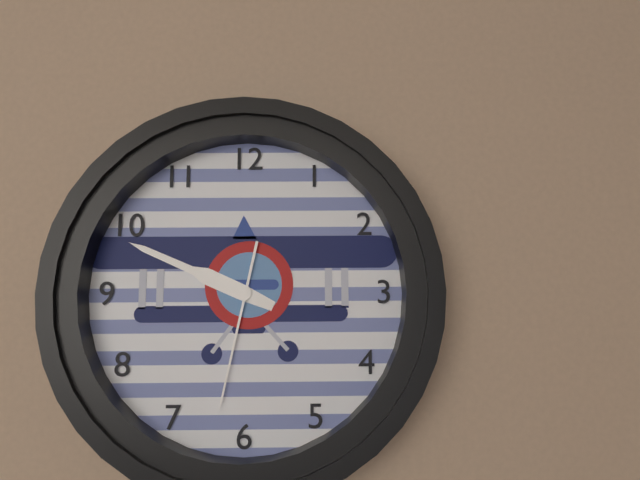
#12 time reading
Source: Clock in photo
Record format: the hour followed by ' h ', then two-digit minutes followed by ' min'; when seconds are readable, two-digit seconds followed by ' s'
9 h 49 min 32 s
